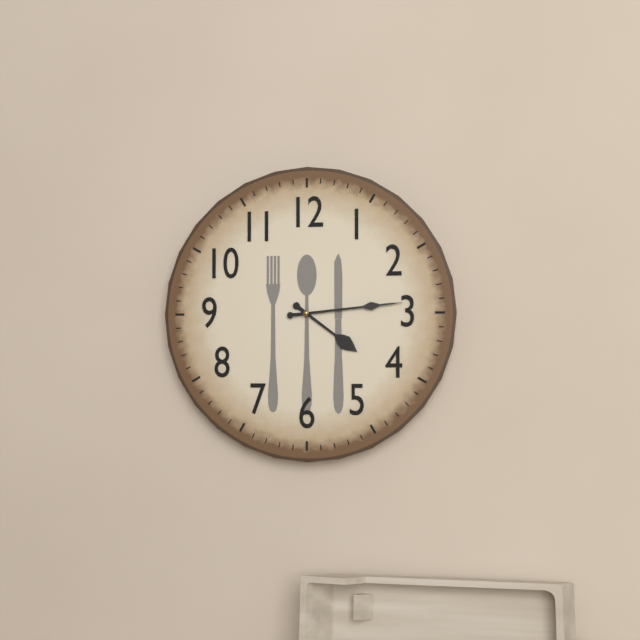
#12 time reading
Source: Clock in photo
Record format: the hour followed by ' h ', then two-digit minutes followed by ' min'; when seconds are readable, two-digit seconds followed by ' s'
4 h 14 min
